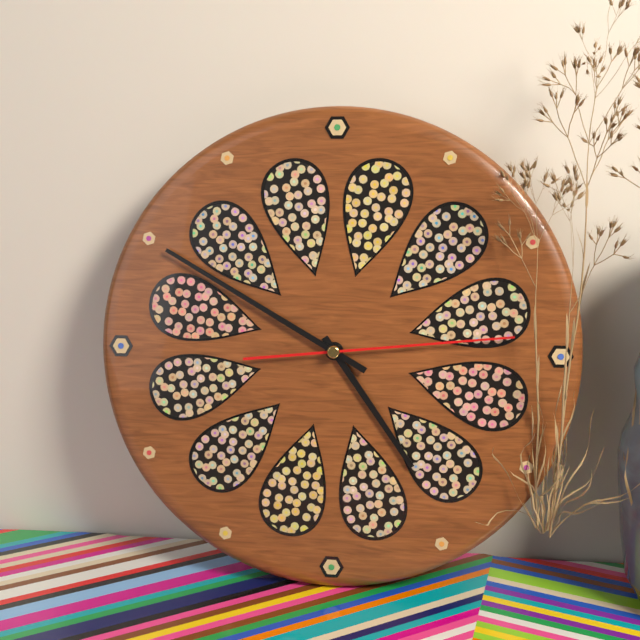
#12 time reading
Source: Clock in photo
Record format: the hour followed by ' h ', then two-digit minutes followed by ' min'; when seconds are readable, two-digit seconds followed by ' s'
4 h 50 min 14 s
